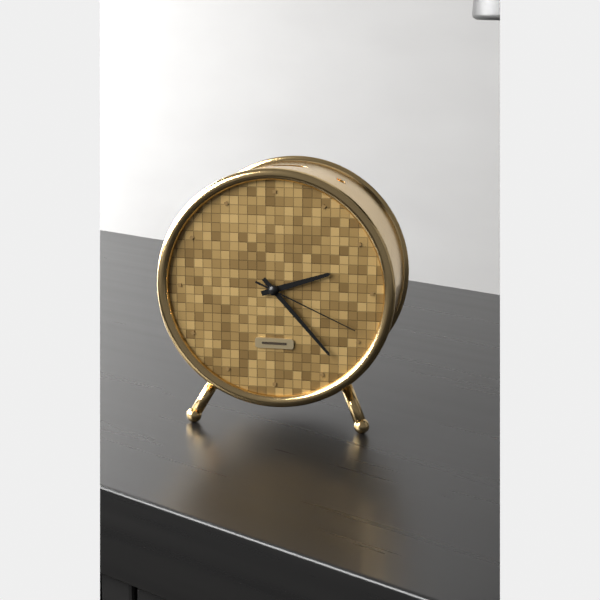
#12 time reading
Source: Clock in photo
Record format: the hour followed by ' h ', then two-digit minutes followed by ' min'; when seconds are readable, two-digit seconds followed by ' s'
2 h 23 min 19 s
